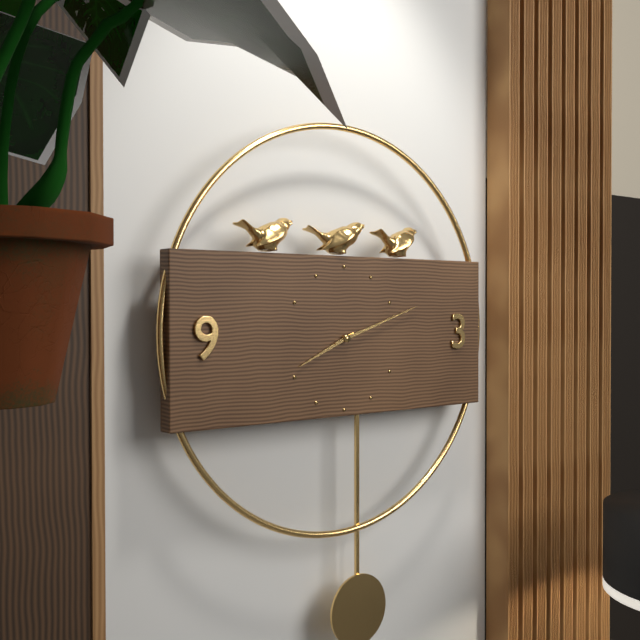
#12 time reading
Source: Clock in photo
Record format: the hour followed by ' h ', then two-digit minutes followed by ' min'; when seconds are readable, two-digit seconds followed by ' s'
8 h 12 min
